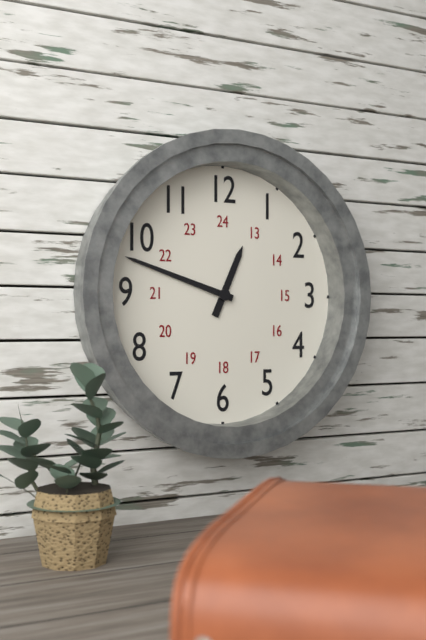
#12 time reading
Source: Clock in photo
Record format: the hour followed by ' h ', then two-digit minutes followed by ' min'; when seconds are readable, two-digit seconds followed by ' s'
12 h 48 min
